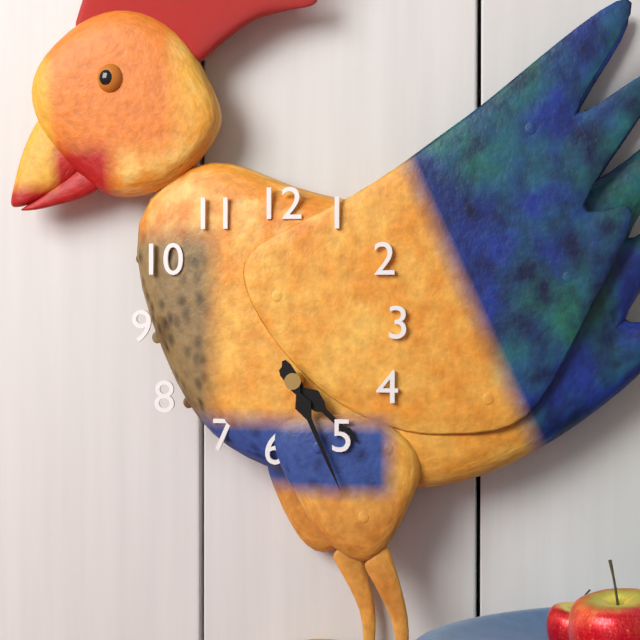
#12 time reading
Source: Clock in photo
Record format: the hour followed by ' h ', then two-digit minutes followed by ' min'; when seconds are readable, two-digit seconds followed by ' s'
4 h 26 min
